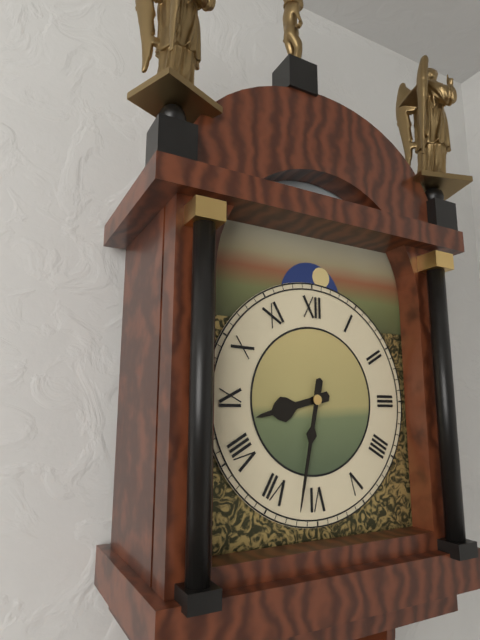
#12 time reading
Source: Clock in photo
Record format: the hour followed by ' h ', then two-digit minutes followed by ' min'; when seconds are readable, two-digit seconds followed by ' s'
8 h 32 min
